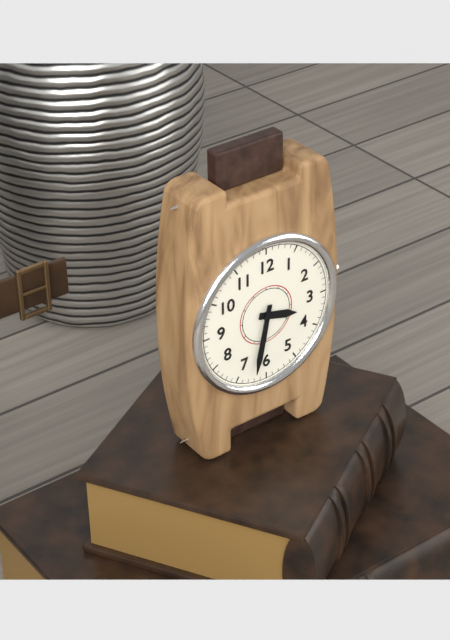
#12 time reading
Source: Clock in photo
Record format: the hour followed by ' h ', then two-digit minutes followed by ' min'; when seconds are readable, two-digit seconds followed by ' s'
3 h 32 min
